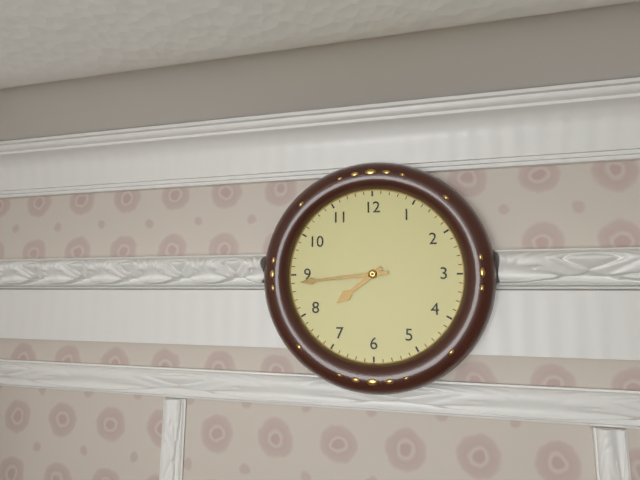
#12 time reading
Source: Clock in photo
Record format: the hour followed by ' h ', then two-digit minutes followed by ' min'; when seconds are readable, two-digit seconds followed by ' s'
7 h 44 min
